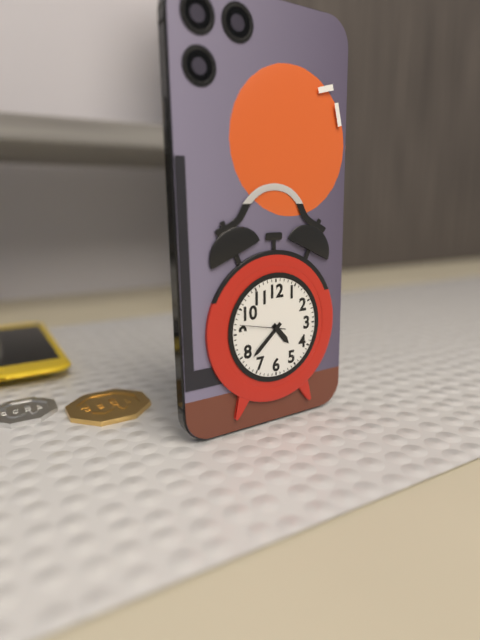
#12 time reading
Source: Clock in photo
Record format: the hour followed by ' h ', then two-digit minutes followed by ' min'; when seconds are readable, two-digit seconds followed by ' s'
4 h 38 min
